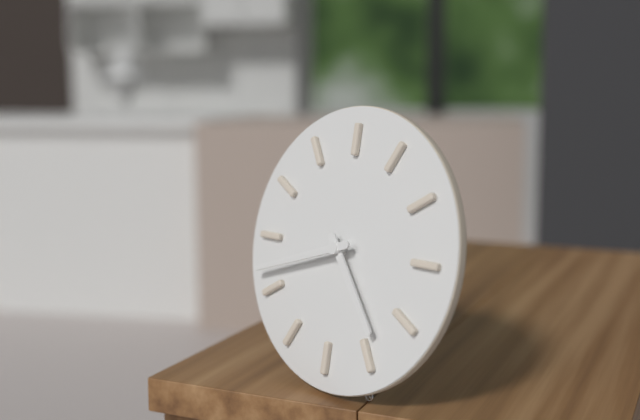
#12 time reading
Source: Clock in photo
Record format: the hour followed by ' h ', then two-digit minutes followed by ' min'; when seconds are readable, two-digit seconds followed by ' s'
4 h 42 min
